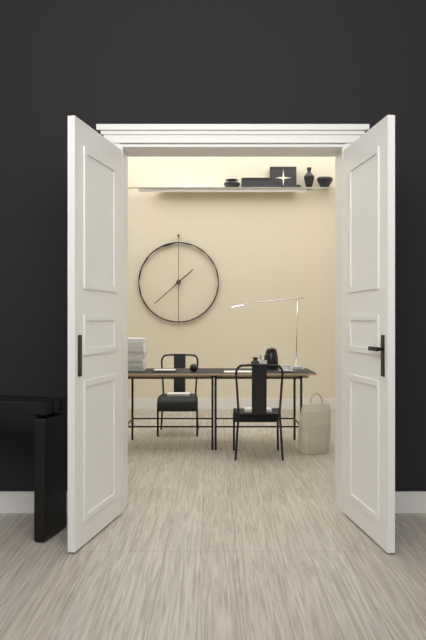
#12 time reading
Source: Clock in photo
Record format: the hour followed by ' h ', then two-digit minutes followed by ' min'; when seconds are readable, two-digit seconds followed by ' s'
1 h 38 min
